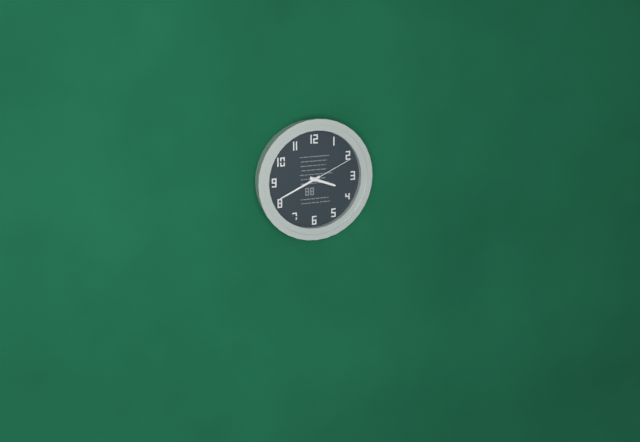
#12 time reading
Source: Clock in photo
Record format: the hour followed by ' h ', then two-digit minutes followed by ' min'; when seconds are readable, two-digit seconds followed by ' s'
3 h 41 min 11 s
